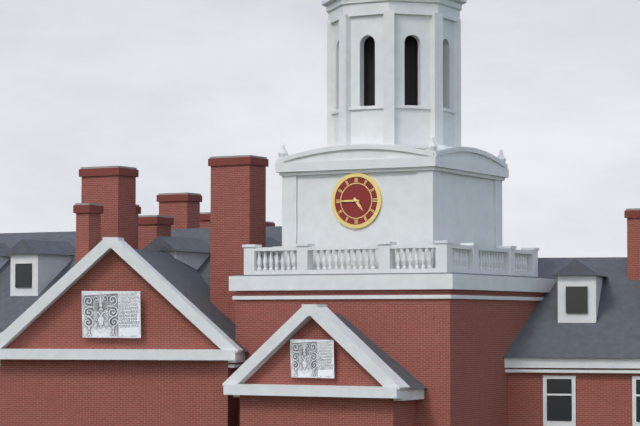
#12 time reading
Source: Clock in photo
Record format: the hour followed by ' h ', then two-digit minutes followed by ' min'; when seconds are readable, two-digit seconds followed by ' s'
4 h 45 min
